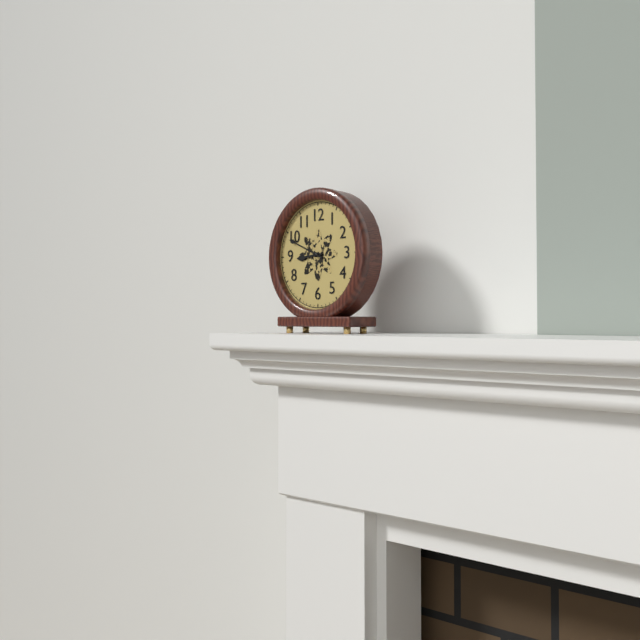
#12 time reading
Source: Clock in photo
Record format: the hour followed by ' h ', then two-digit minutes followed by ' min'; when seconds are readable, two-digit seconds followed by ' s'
8 h 49 min
